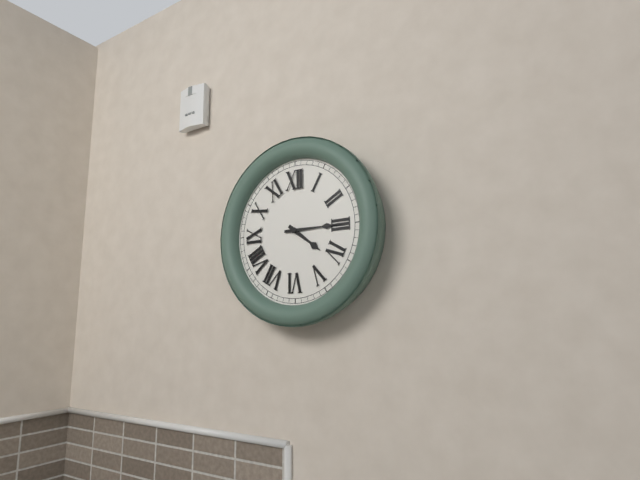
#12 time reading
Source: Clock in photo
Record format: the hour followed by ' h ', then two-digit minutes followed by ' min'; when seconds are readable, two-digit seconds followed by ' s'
4 h 15 min
